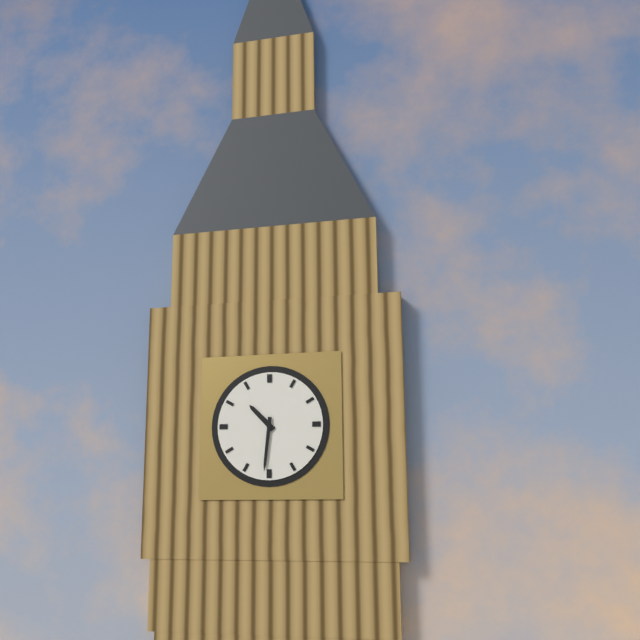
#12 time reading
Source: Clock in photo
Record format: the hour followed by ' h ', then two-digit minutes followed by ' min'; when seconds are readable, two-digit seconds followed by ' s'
10 h 31 min
